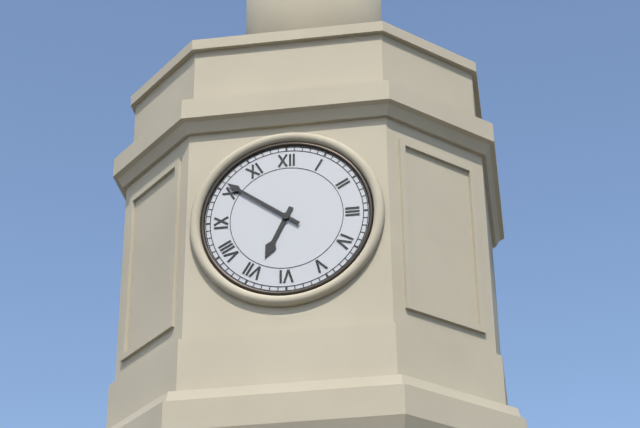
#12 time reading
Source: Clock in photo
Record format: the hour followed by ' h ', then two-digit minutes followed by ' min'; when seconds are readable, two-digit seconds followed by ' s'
6 h 51 min
